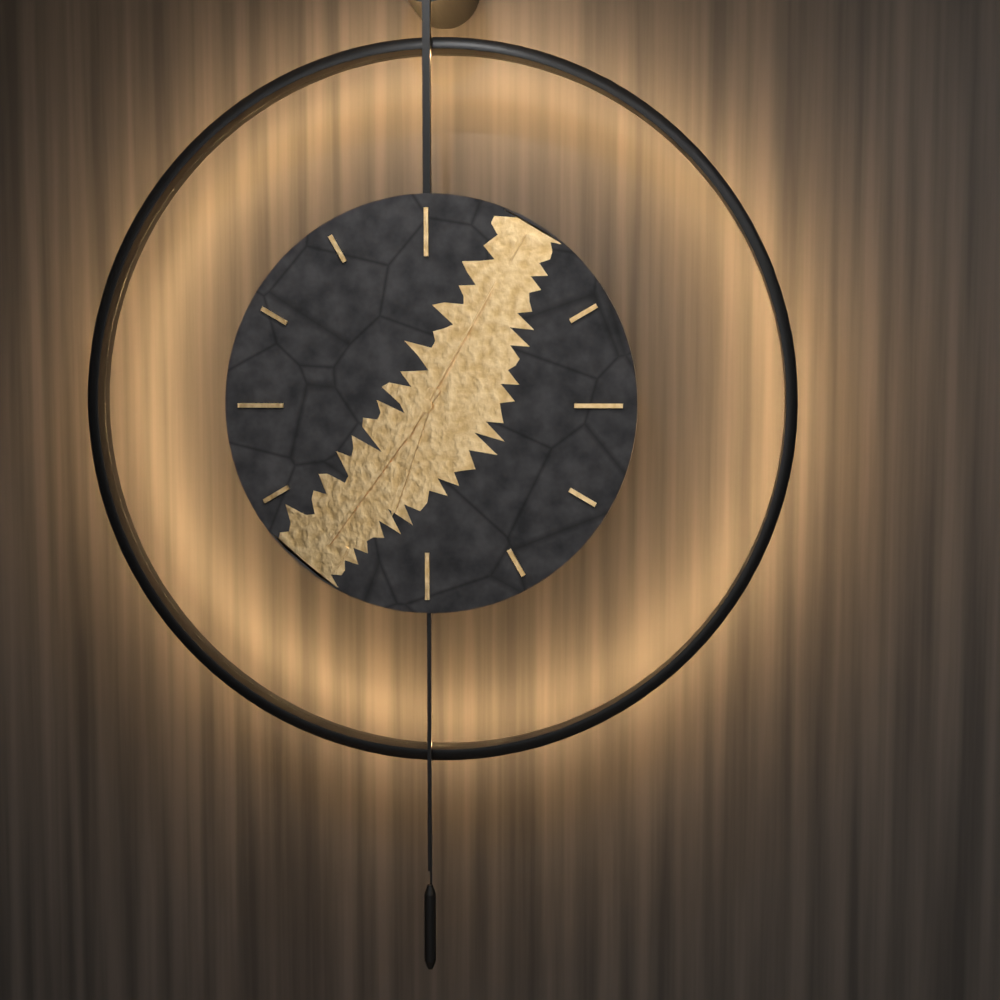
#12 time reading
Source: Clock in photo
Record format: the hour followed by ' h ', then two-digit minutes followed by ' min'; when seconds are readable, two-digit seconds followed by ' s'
6 h 36 min 05 s
